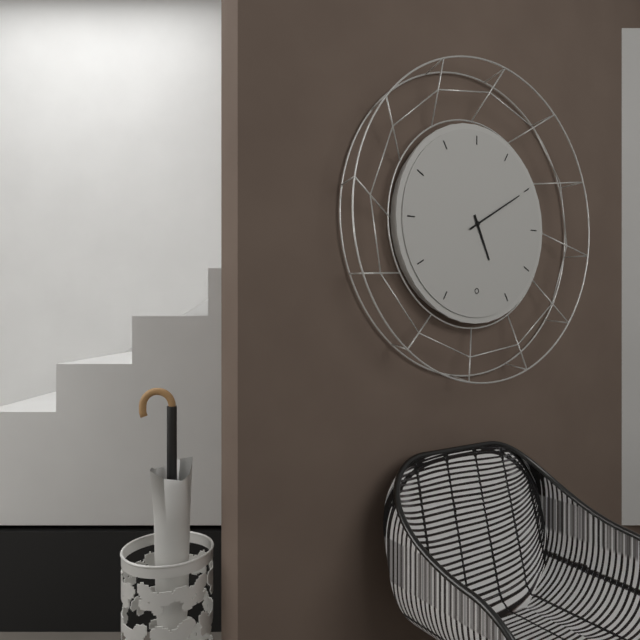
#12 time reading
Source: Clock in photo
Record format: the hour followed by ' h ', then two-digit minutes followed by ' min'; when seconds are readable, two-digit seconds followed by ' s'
5 h 10 min
